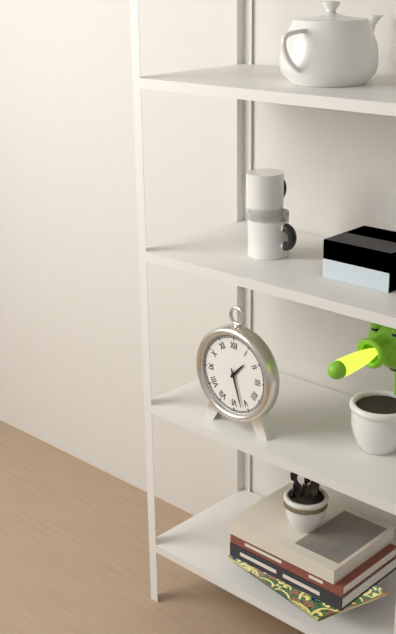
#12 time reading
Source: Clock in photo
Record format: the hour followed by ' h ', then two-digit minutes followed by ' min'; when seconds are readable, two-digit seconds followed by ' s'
1 h 27 min
